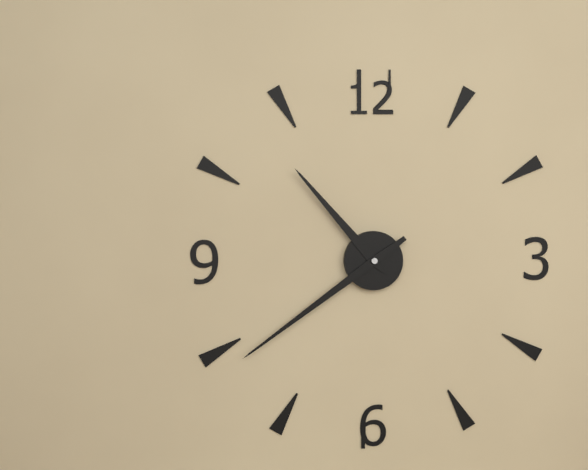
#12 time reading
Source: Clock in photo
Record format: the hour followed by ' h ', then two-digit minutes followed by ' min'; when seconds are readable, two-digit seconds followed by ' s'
10 h 39 min
